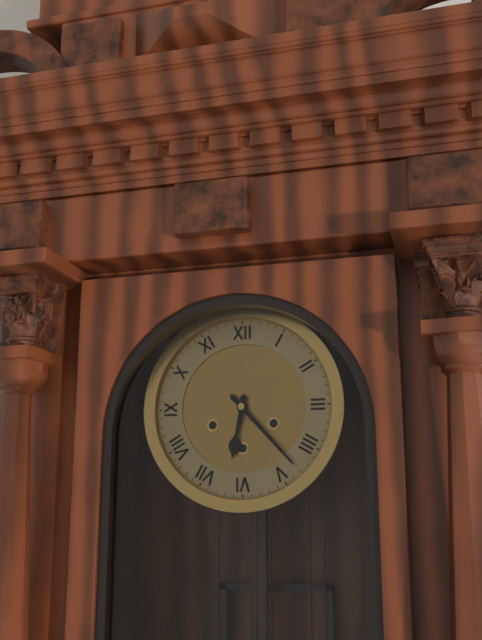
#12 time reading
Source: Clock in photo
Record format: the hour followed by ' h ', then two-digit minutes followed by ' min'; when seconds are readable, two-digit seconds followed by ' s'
6 h 23 min
